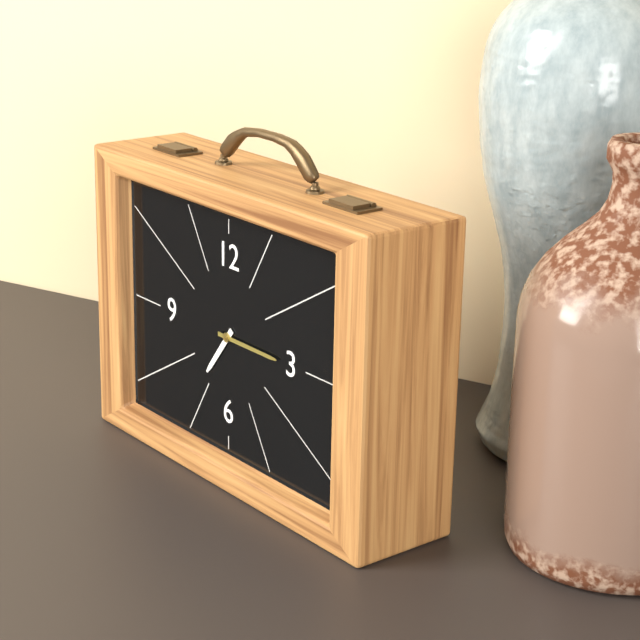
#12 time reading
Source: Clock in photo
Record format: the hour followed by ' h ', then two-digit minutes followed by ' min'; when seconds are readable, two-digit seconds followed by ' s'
7 h 15 min
